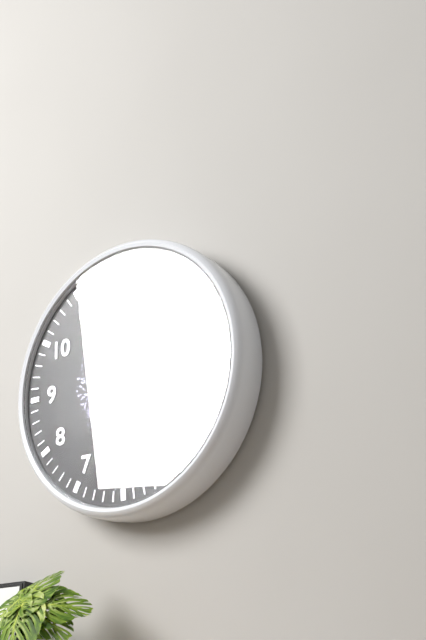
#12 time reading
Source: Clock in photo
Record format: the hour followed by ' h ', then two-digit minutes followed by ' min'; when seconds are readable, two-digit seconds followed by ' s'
3 h 28 min 23 s
